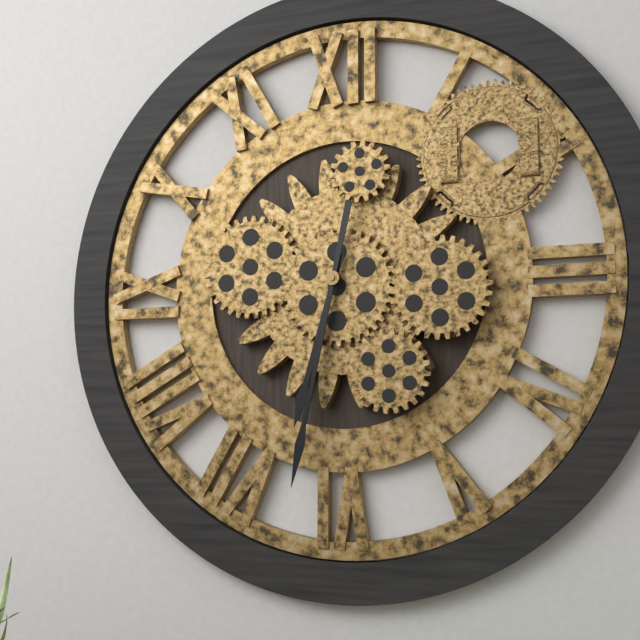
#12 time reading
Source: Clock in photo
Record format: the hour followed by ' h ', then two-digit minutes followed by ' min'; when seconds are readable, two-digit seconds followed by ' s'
6 h 32 min
